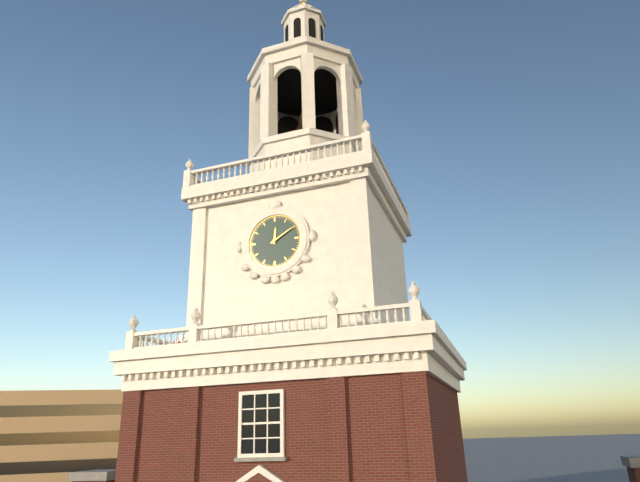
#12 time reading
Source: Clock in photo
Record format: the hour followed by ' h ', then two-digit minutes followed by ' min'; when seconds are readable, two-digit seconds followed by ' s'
12 h 10 min
